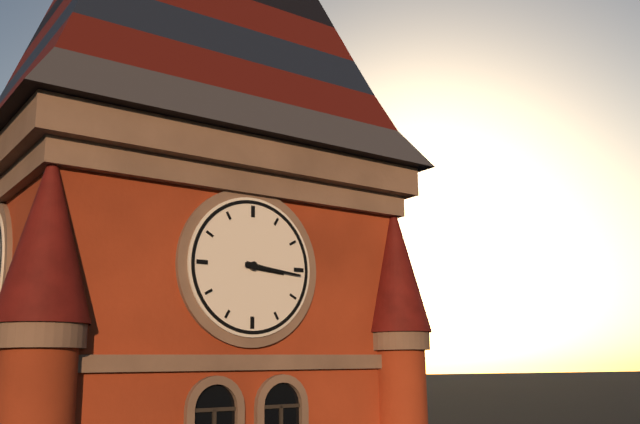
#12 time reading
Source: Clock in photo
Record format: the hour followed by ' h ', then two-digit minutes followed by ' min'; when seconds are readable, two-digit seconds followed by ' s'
3 h 16 min
